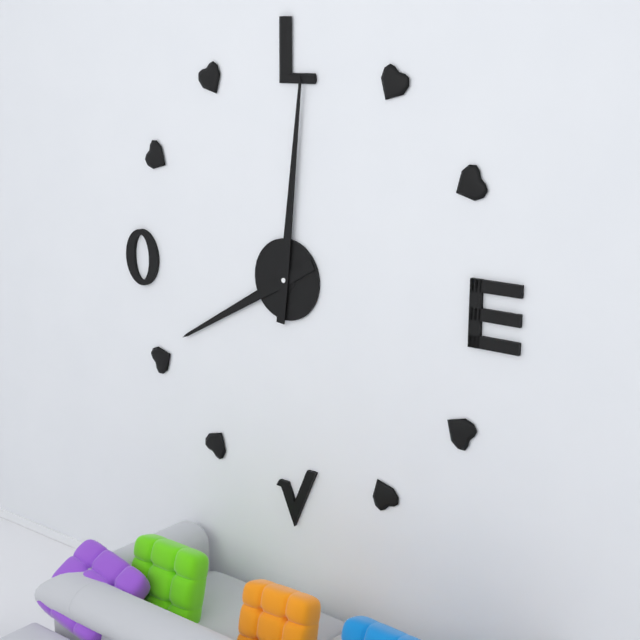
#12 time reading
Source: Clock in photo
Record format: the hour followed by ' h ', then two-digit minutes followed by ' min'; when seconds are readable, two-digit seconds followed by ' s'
8 h 01 min
